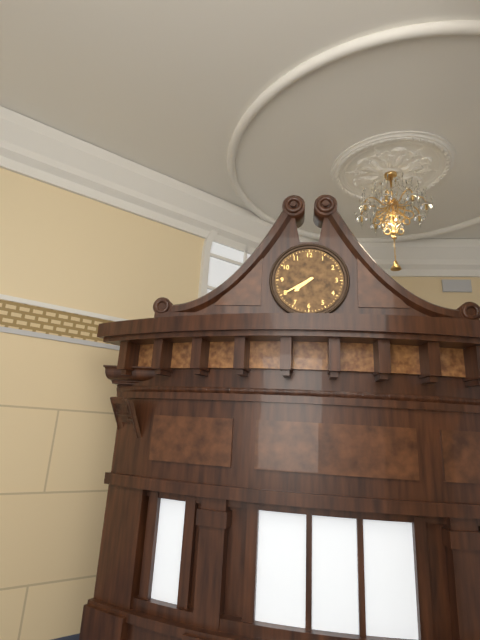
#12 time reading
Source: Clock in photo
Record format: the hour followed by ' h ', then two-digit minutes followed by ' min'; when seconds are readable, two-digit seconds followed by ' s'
7 h 40 min
